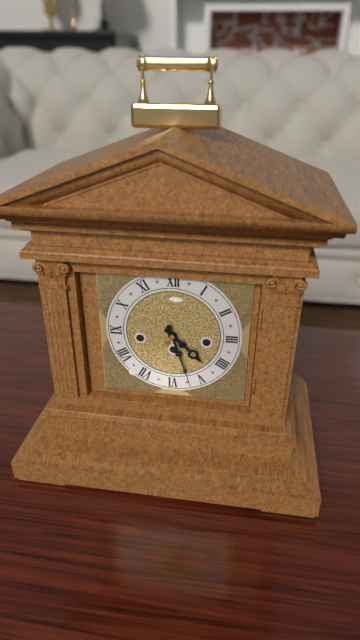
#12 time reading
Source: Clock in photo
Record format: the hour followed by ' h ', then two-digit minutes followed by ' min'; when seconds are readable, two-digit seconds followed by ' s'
4 h 27 min
